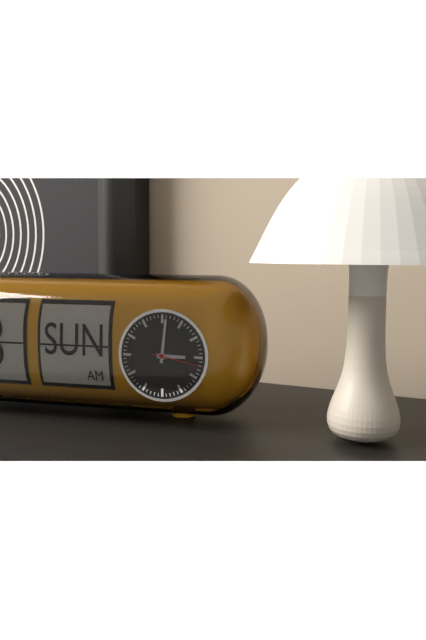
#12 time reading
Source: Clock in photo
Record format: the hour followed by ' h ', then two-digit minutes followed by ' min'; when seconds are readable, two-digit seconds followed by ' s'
3 h 01 min
